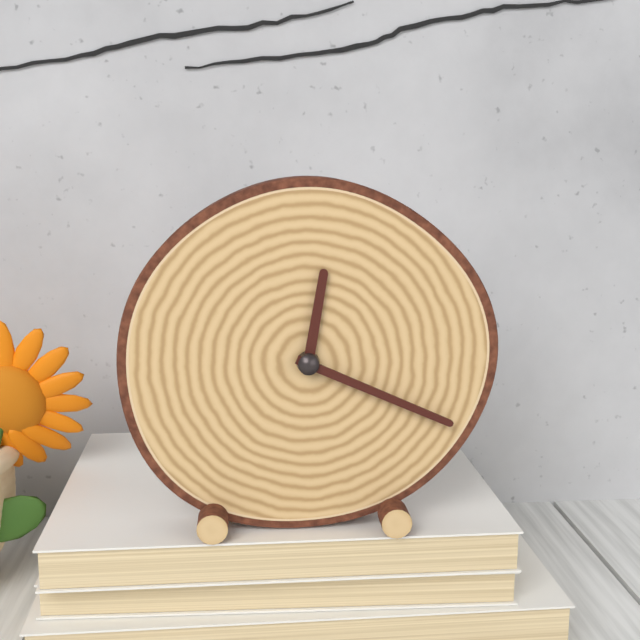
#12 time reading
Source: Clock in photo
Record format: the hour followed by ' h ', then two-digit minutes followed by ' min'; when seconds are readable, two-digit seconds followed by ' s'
12 h 19 min
